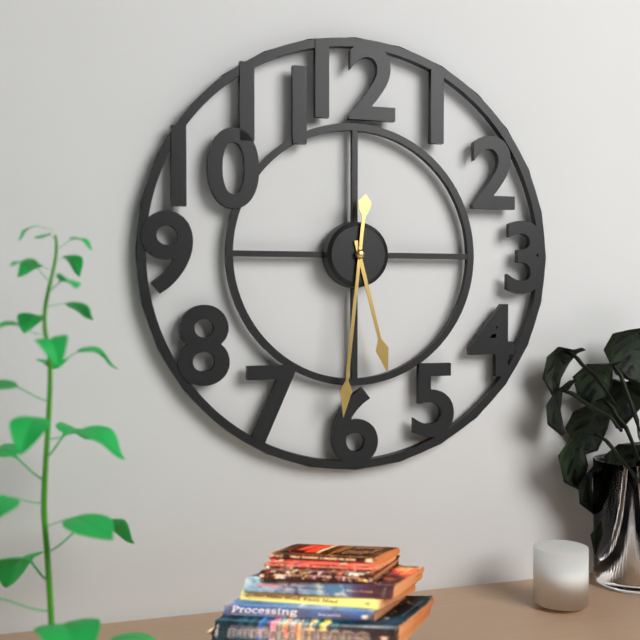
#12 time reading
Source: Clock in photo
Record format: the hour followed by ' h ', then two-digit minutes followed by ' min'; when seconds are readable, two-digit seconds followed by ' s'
5 h 31 min
